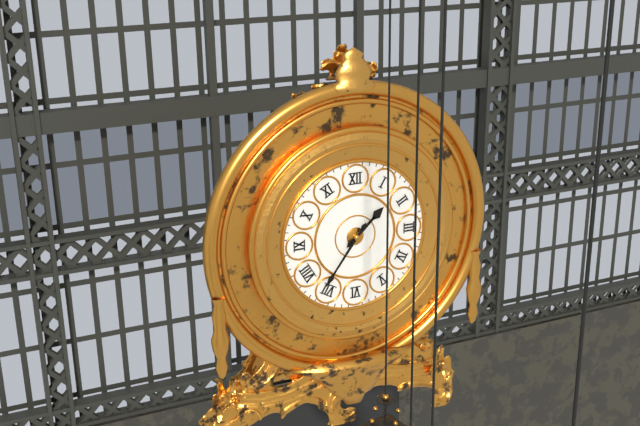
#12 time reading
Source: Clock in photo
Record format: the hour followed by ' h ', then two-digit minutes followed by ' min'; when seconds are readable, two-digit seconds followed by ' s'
1 h 36 min
